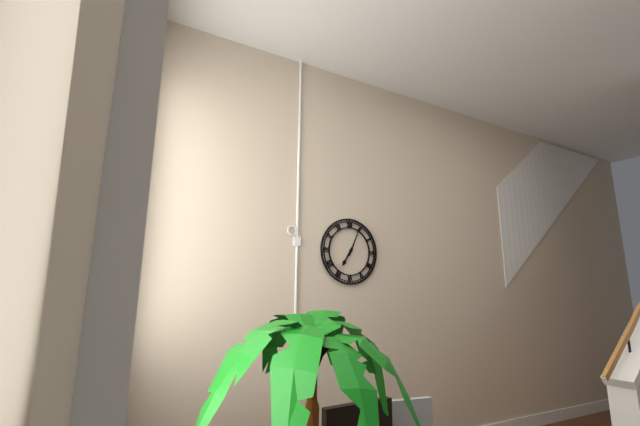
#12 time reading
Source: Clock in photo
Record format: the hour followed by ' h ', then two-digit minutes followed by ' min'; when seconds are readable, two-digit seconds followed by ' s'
7 h 04 min
